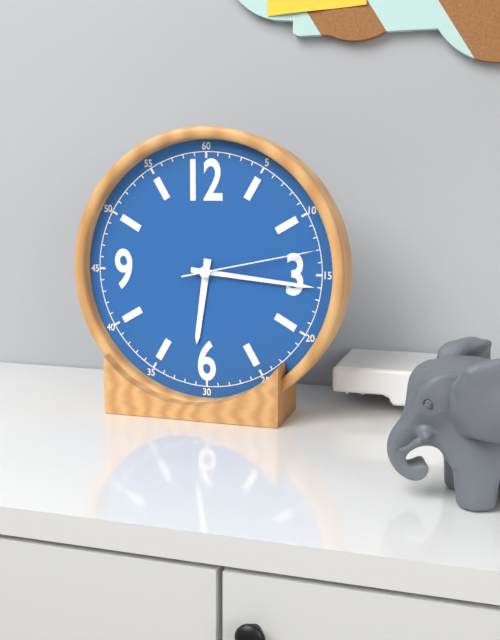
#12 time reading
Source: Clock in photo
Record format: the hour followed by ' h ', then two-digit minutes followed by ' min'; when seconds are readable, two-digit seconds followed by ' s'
6 h 16 min 13 s
